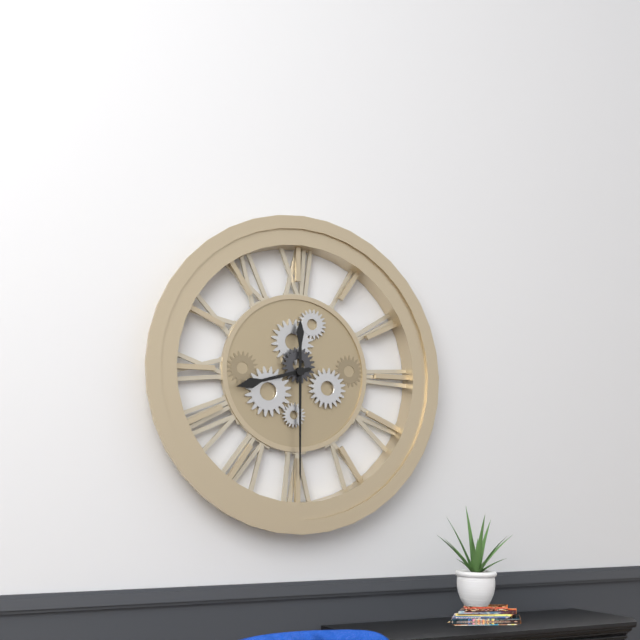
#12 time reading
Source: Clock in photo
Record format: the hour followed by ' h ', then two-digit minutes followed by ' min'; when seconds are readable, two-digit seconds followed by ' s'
8 h 30 min
